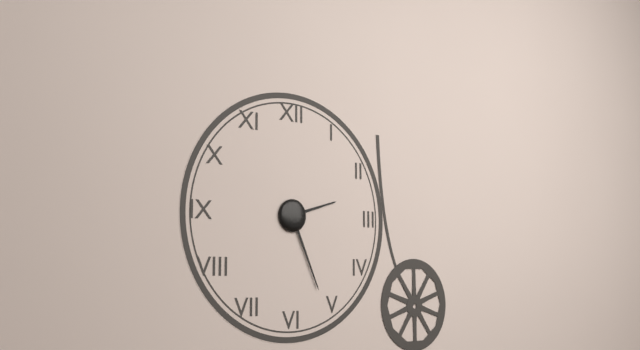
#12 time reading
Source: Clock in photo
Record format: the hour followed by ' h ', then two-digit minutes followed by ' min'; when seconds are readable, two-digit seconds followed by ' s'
2 h 26 min
